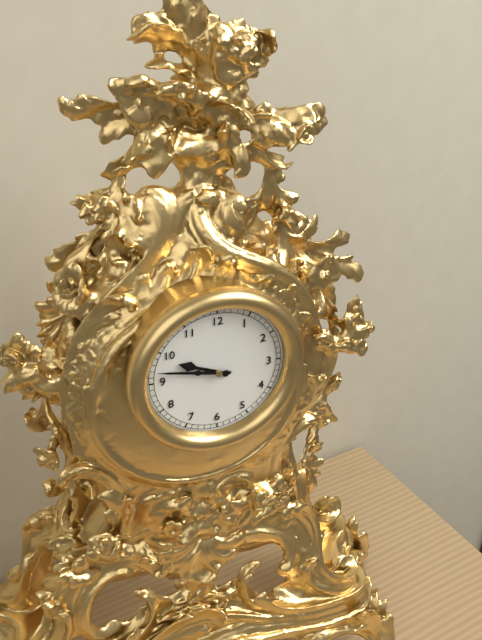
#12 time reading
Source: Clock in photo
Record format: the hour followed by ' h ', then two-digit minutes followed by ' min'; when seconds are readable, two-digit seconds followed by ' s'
9 h 47 min
